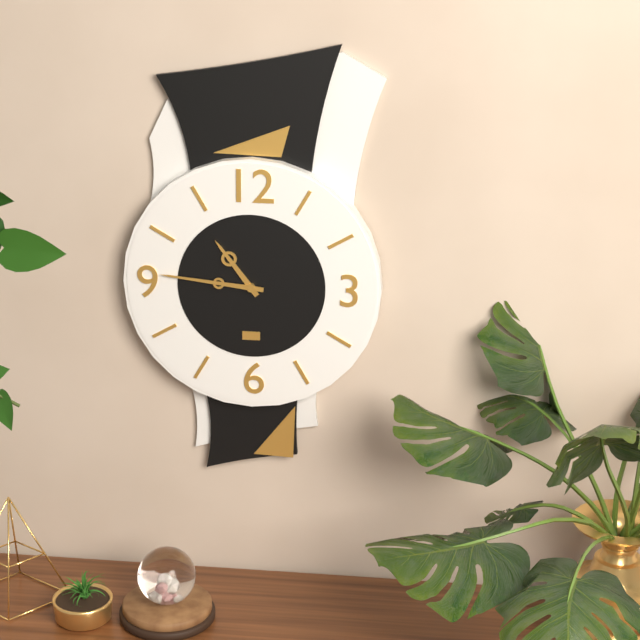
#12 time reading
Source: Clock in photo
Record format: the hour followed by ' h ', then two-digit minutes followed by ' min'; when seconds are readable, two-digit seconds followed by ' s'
10 h 46 min
